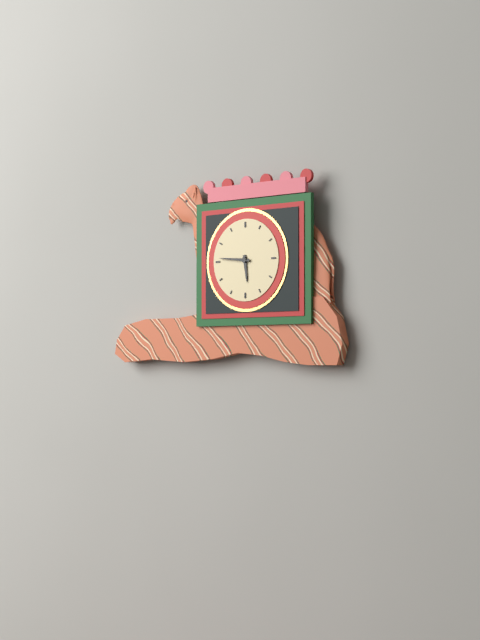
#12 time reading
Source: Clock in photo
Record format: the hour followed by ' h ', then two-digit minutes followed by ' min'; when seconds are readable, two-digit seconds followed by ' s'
5 h 46 min
